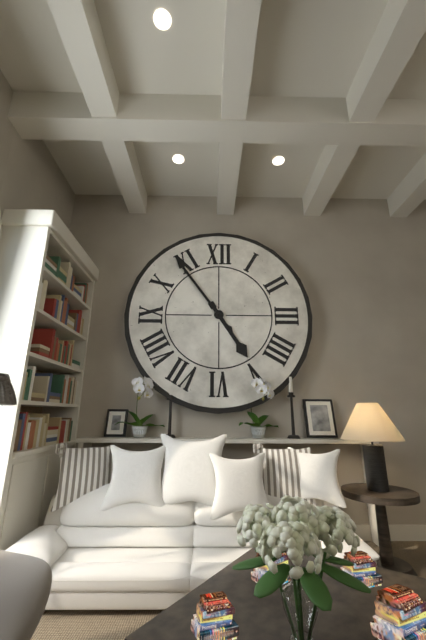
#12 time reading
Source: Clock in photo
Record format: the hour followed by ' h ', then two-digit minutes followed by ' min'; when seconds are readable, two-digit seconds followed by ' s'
4 h 54 min
